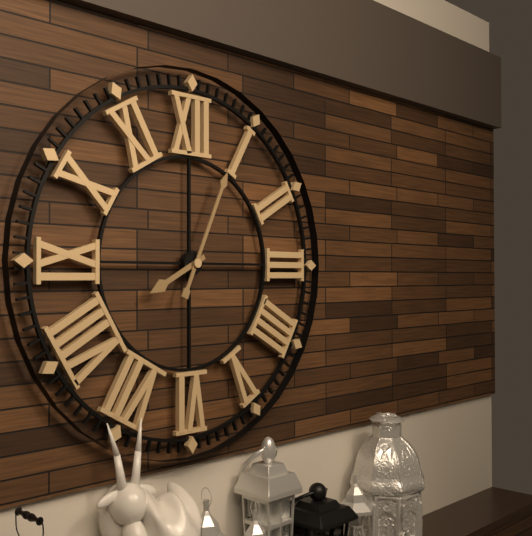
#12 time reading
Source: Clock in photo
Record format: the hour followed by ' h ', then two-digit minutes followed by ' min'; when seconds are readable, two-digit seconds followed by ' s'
8 h 04 min
